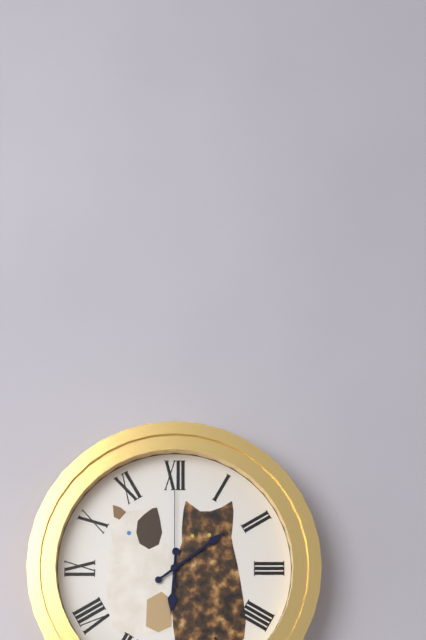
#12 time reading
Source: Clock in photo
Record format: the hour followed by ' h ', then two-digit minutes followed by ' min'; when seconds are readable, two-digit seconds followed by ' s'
6 h 09 min 00 s
